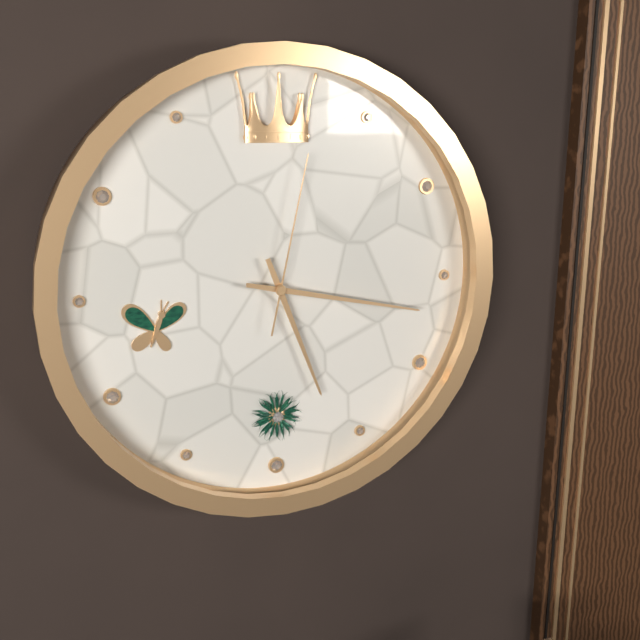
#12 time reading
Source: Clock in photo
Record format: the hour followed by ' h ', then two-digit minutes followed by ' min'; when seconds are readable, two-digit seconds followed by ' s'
5 h 17 min 02 s
